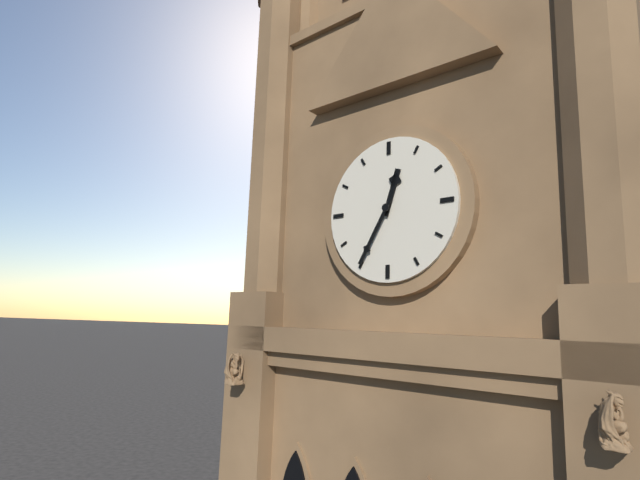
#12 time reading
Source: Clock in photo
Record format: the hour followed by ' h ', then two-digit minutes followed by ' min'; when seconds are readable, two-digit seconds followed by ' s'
12 h 35 min
